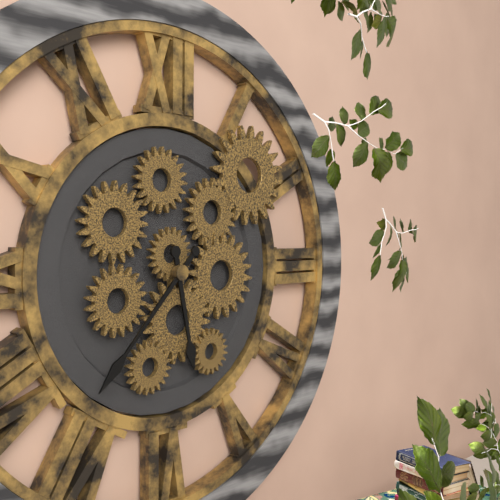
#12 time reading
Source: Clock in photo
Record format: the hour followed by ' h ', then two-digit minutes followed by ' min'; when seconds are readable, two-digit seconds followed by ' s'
5 h 37 min
